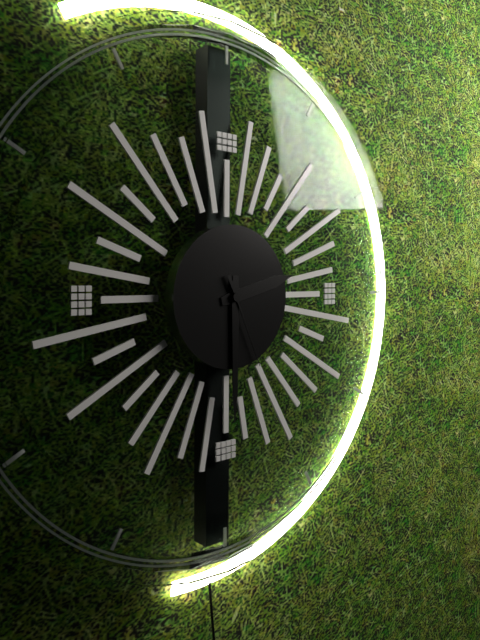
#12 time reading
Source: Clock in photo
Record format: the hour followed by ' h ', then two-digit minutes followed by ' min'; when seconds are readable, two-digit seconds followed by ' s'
2 h 30 min 26 s
